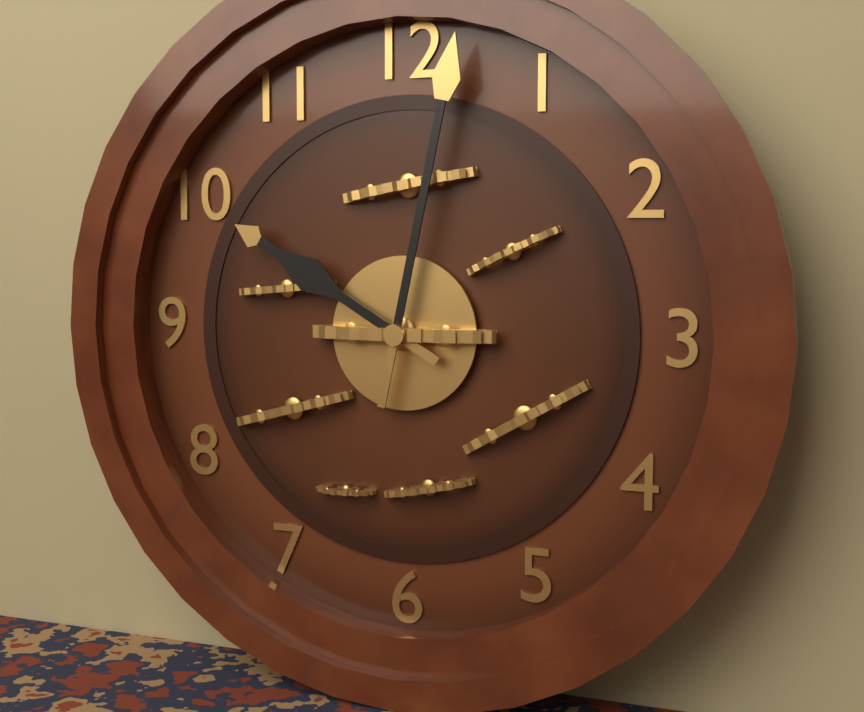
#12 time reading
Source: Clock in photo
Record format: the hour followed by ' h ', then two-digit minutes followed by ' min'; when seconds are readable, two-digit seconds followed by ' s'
10 h 02 min
